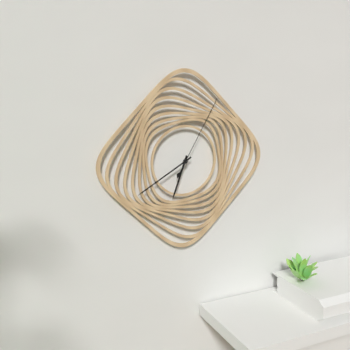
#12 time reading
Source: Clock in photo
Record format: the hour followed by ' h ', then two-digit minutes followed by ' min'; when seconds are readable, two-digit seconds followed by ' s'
6 h 40 min 05 s
